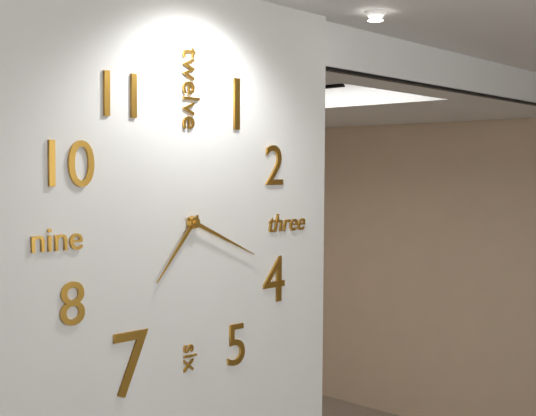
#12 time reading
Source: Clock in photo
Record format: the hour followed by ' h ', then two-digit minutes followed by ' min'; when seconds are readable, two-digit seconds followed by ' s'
7 h 19 min
